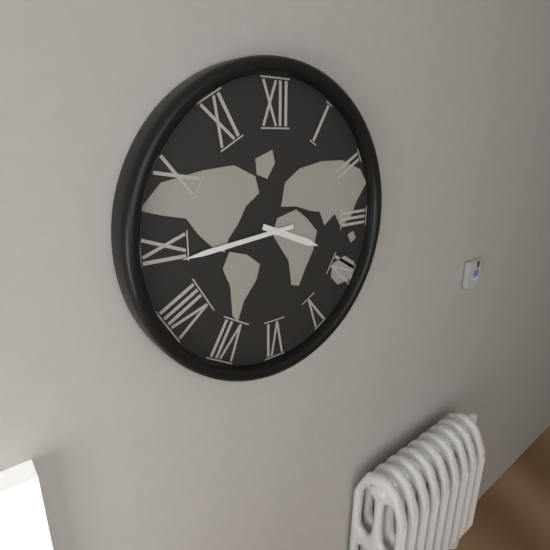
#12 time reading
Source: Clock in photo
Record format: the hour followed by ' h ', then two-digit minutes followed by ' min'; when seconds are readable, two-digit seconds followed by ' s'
3 h 44 min
